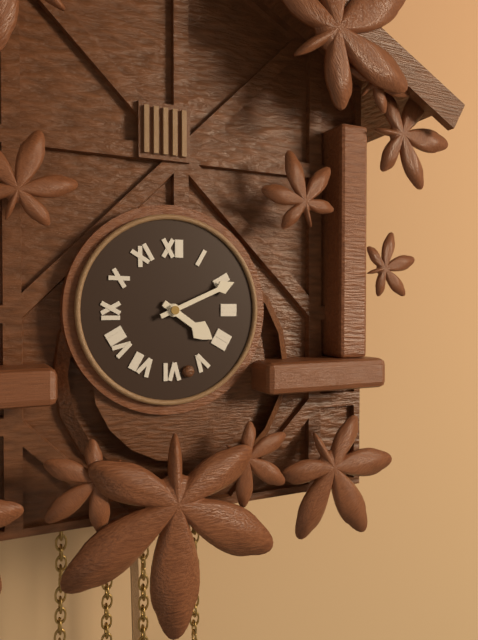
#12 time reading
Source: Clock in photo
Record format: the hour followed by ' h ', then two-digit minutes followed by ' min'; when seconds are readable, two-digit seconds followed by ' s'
4 h 11 min
